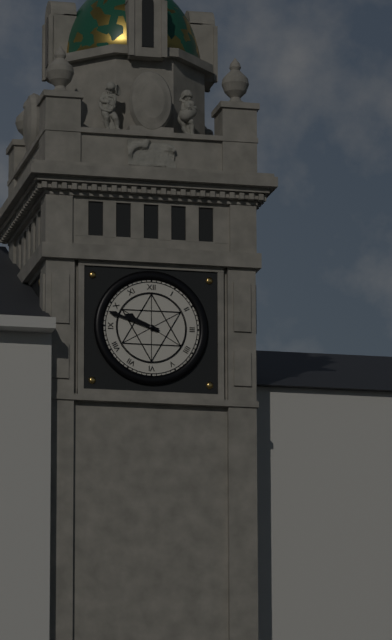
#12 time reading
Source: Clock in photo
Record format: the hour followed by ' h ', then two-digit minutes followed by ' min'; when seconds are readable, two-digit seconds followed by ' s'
9 h 48 min
